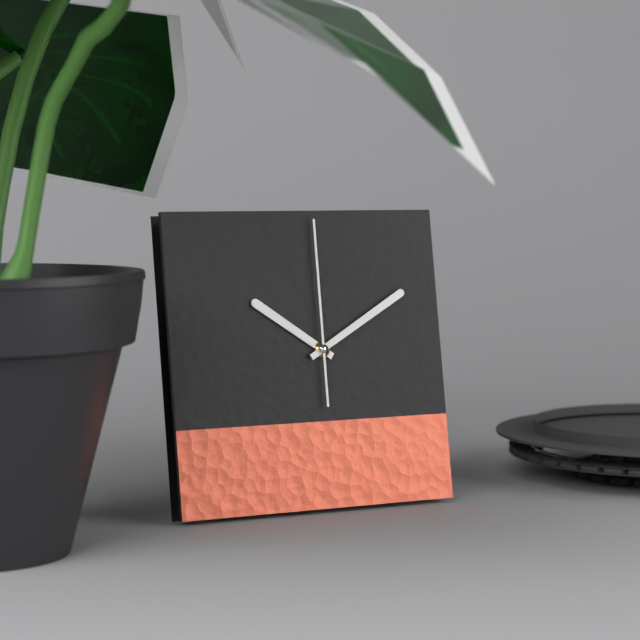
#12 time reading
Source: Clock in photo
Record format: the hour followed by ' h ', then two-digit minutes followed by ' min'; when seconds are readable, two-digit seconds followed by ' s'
10 h 10 min 00 s
